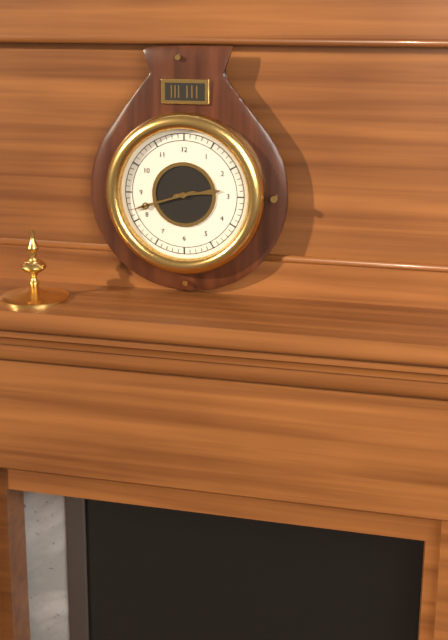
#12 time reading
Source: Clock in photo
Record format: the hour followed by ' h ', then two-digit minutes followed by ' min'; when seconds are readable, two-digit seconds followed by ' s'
2 h 42 min
